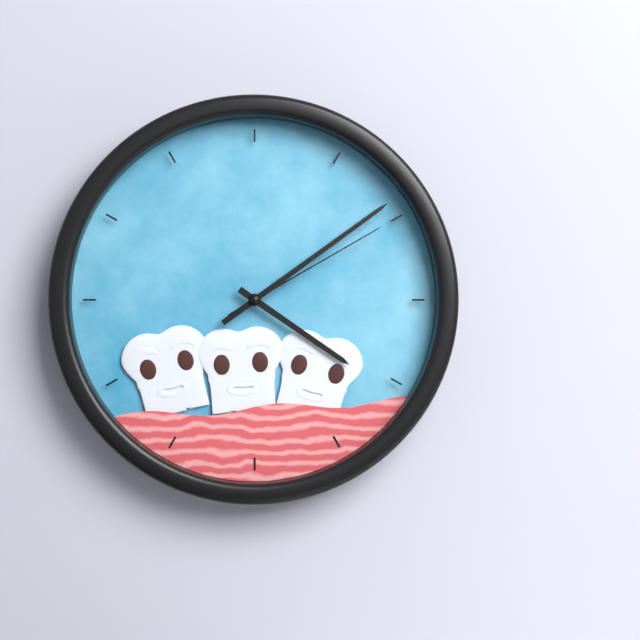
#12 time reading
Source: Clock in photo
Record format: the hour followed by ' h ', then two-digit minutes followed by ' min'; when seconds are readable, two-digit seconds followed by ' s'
4 h 09 min 10 s
